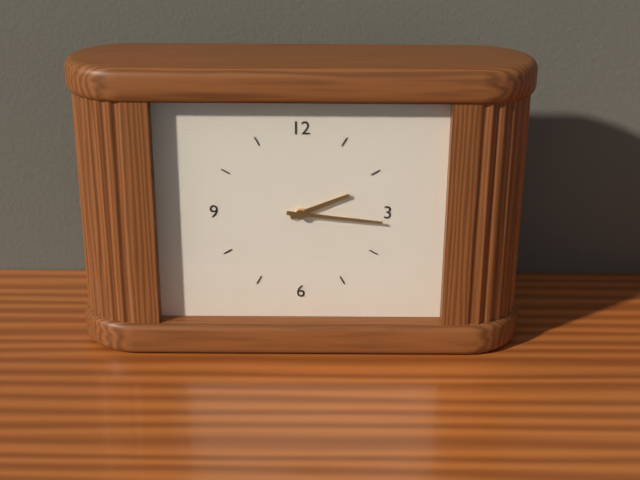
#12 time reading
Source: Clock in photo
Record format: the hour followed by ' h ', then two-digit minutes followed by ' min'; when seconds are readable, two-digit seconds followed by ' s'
2 h 16 min
